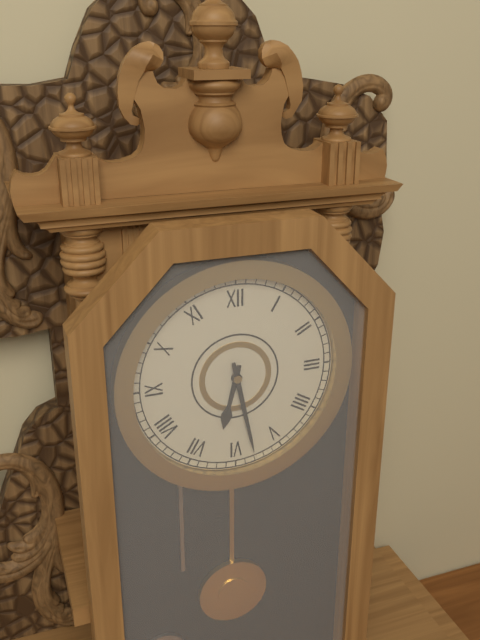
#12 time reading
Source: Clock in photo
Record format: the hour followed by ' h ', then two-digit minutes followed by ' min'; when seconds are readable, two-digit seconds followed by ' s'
6 h 28 min
